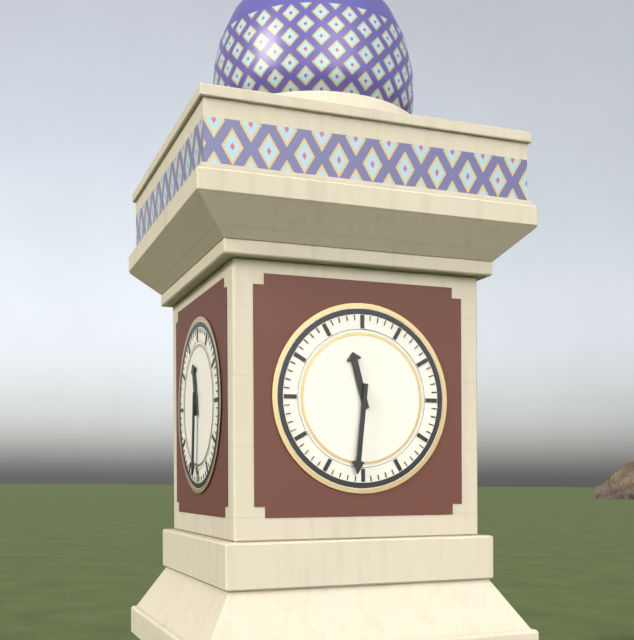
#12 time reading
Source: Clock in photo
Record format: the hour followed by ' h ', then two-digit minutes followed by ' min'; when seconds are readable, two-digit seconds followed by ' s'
11 h 31 min
